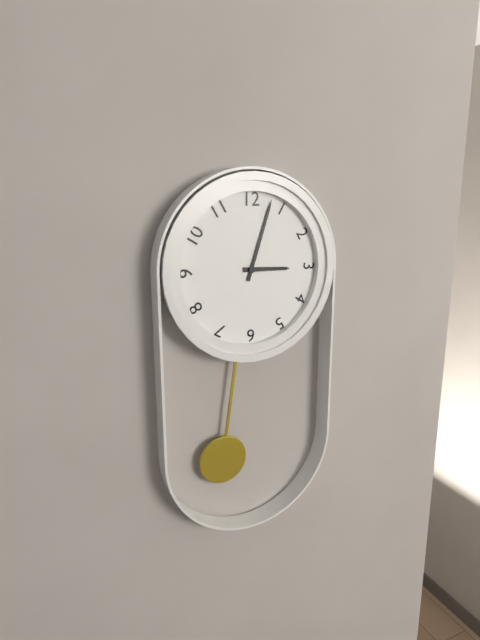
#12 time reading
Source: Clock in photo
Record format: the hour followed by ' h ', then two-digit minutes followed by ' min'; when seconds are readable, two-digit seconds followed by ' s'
3 h 03 min
